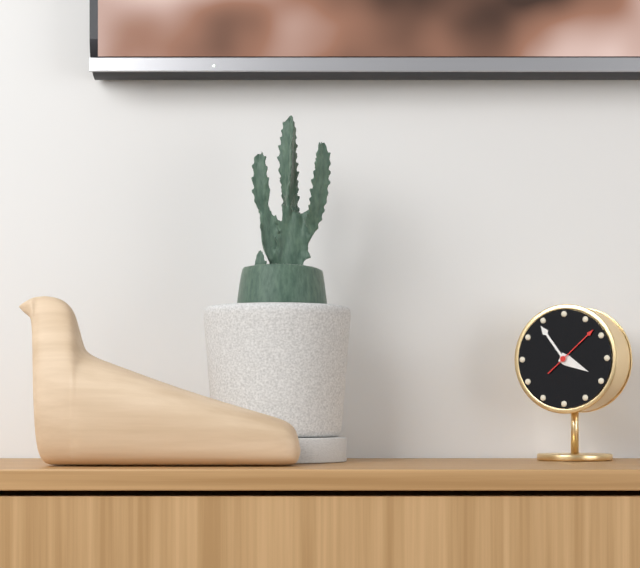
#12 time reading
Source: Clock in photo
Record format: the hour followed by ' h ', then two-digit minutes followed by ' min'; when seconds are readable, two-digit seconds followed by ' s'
3 h 54 min 08 s
